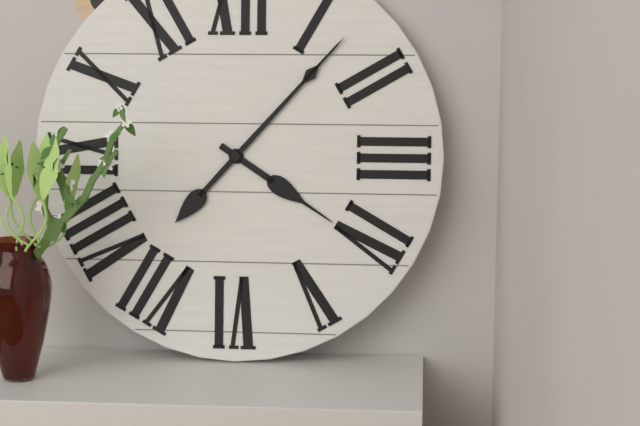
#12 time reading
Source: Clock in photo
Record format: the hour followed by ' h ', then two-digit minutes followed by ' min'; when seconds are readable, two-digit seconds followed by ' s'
4 h 07 min
